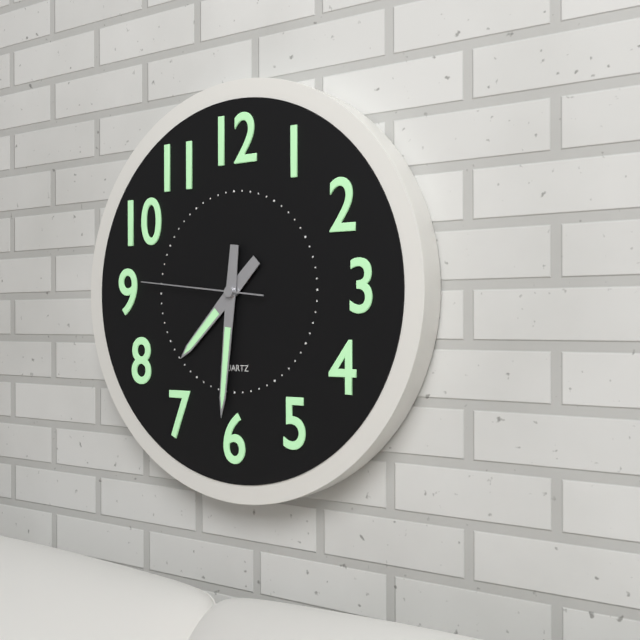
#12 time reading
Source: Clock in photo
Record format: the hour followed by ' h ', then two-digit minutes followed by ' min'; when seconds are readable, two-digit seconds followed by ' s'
7 h 31 min 46 s
